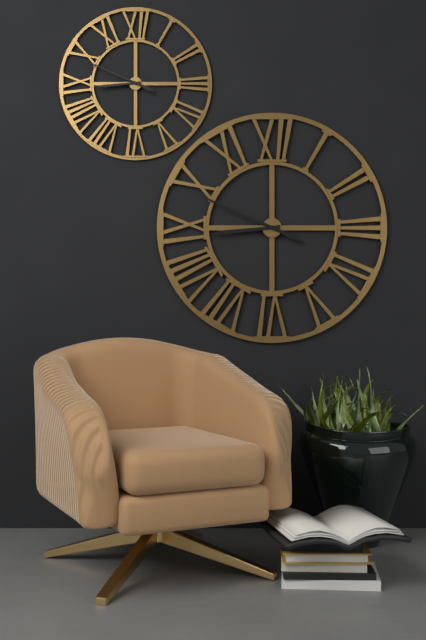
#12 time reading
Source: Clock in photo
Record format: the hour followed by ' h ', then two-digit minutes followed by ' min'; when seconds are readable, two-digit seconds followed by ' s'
8 h 49 min
